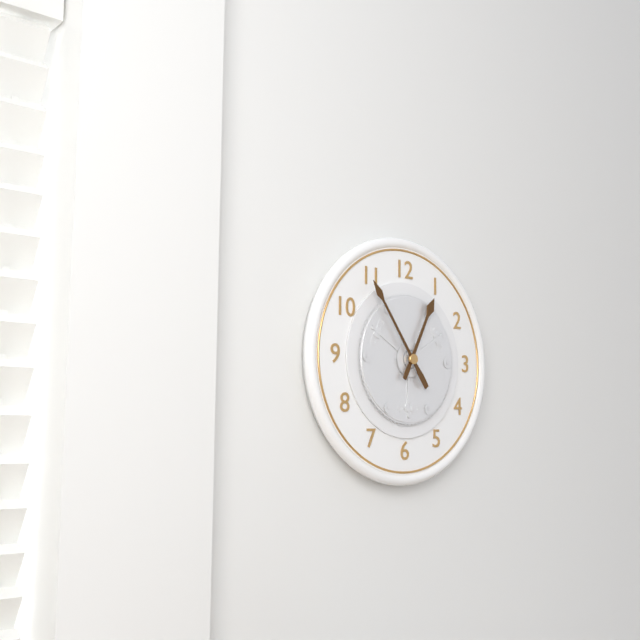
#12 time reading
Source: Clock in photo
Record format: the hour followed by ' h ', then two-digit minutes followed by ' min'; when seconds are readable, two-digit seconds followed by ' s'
12 h 54 min
